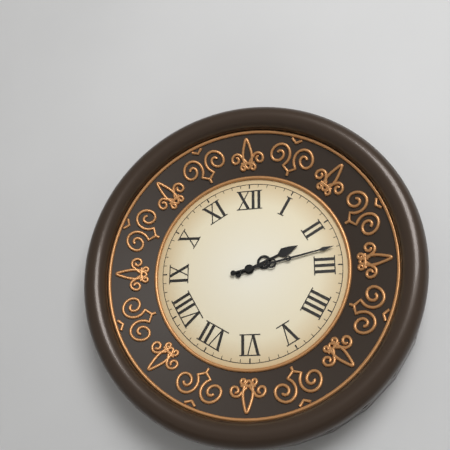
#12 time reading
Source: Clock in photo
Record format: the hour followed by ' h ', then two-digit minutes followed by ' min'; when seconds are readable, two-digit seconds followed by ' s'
2 h 13 min
